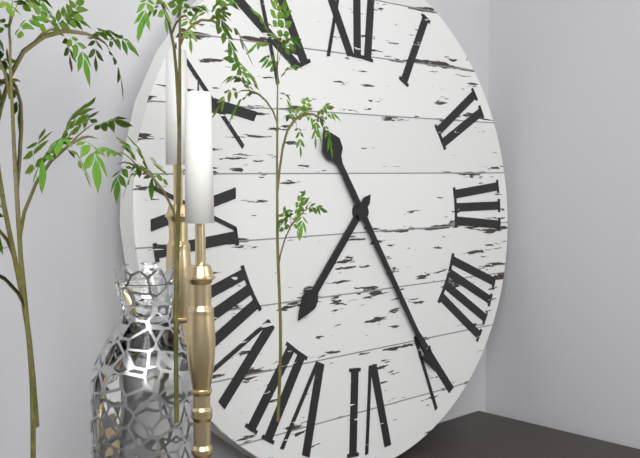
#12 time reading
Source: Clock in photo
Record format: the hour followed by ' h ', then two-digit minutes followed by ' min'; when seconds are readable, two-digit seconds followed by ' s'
7 h 25 min
